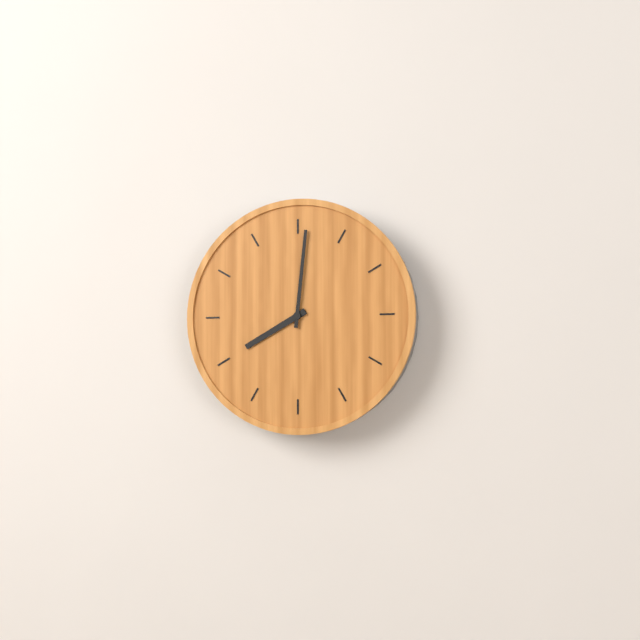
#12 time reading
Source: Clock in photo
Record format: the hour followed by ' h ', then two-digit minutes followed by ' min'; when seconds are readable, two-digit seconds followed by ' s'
8 h 01 min
